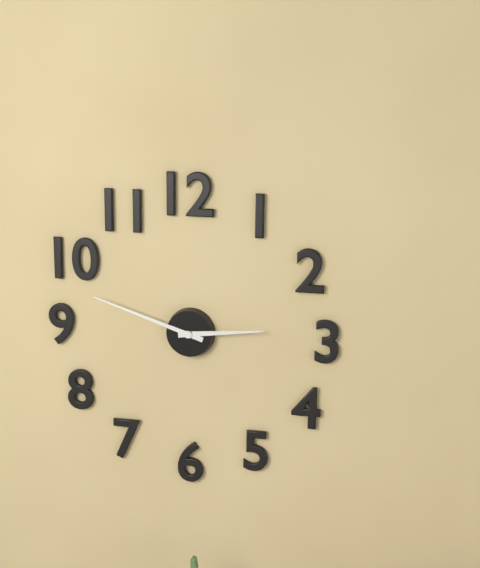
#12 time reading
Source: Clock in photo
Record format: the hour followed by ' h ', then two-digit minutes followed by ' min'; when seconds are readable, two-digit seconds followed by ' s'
2 h 48 min
